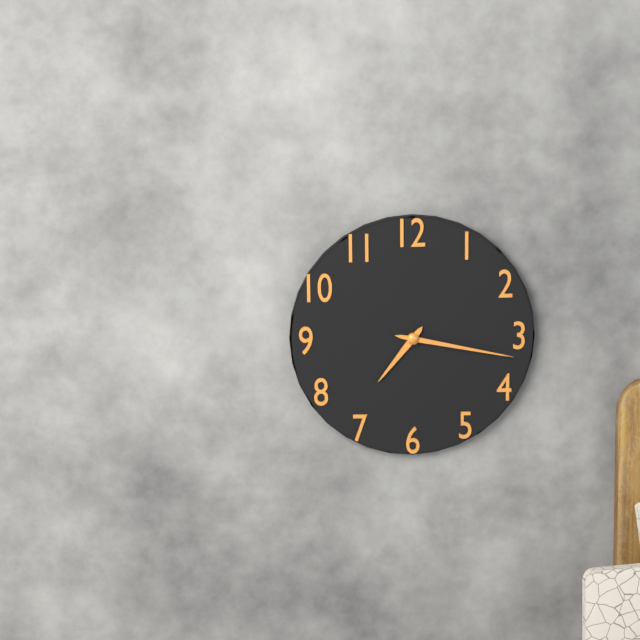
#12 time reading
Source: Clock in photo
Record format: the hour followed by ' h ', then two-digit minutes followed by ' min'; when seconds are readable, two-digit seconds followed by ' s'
7 h 17 min
